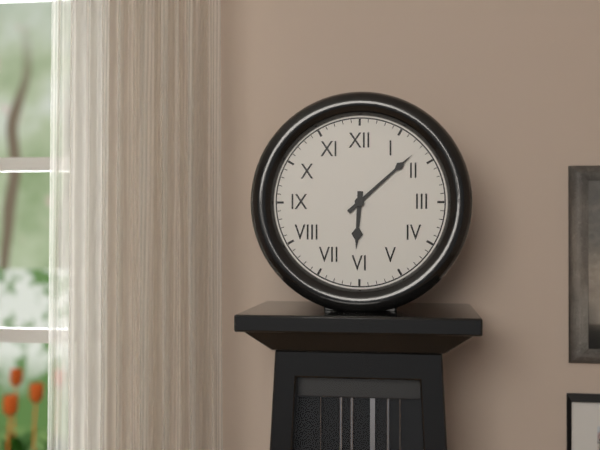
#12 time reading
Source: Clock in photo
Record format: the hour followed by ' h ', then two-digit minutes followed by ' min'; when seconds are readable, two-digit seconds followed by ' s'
6 h 08 min
